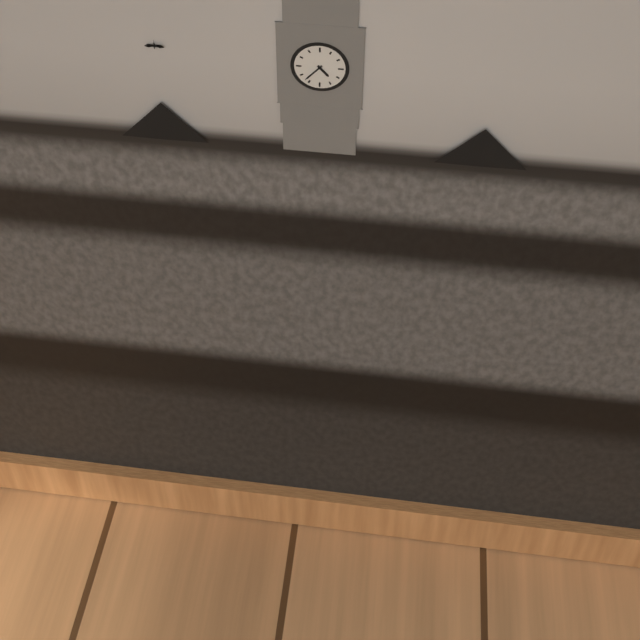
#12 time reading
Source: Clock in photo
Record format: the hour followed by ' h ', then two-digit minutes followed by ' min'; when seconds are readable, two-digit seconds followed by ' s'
4 h 37 min
